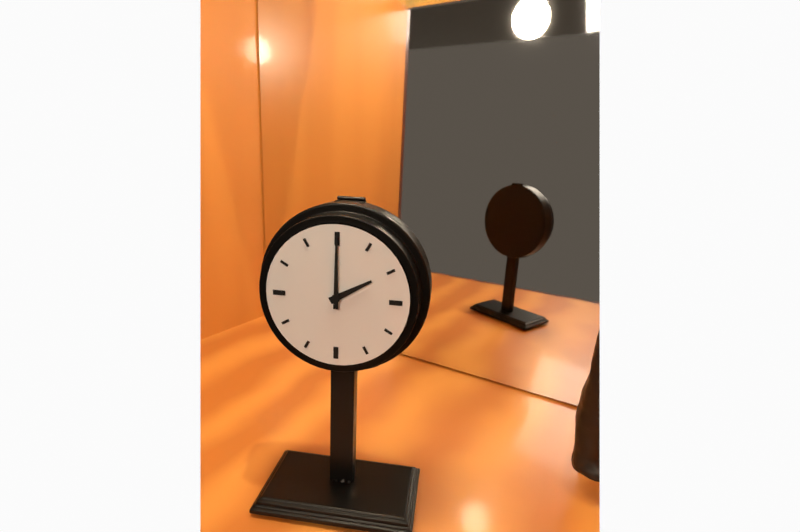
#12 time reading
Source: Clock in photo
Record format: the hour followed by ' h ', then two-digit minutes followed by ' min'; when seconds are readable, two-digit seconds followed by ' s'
2 h 00 min
